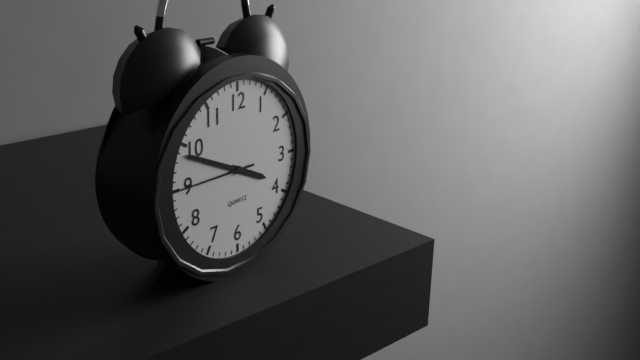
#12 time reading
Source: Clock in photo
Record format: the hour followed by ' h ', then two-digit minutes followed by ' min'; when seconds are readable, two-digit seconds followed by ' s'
3 h 49 min 45 s
